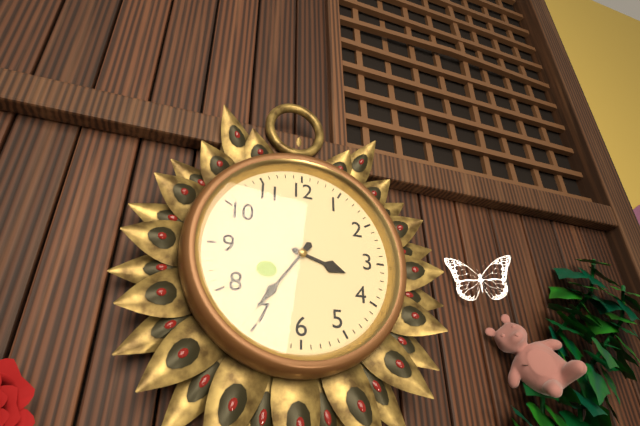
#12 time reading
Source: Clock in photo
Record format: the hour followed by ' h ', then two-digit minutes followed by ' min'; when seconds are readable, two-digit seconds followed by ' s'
3 h 36 min
